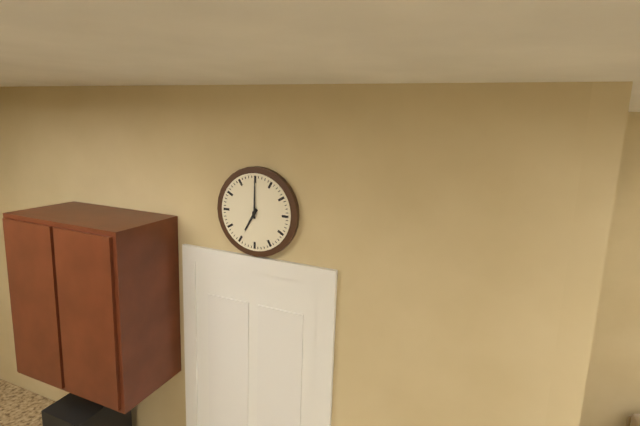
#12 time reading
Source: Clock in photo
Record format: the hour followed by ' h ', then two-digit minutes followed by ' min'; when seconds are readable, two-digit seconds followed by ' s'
7 h 00 min
